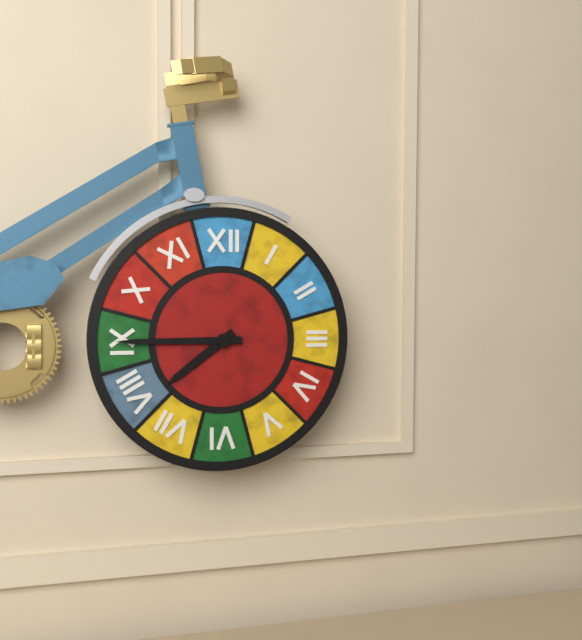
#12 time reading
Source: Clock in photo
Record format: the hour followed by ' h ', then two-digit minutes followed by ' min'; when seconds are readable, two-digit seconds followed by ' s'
7 h 45 min
